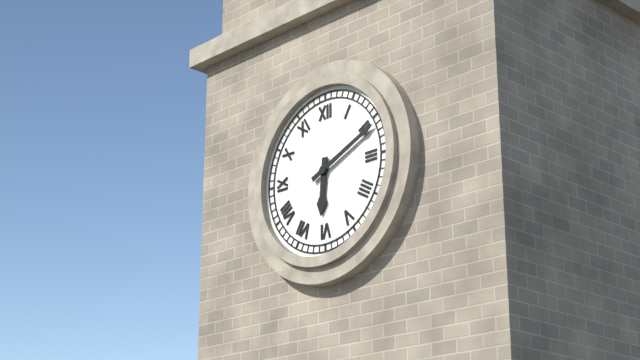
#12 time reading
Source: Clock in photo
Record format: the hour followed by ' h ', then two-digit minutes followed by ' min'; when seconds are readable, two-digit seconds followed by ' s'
6 h 11 min
